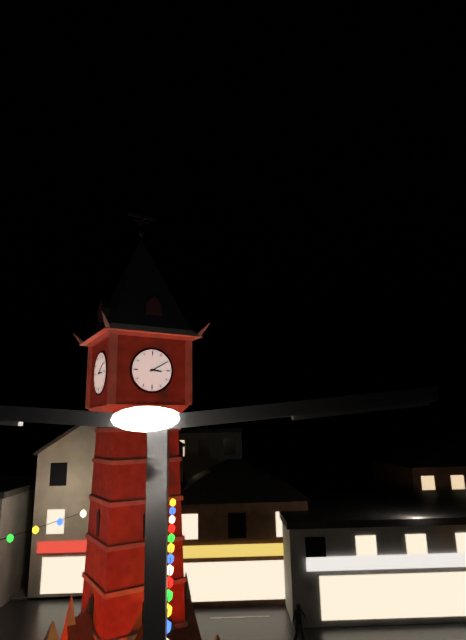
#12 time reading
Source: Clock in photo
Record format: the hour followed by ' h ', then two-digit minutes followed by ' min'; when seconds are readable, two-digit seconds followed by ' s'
3 h 10 min
